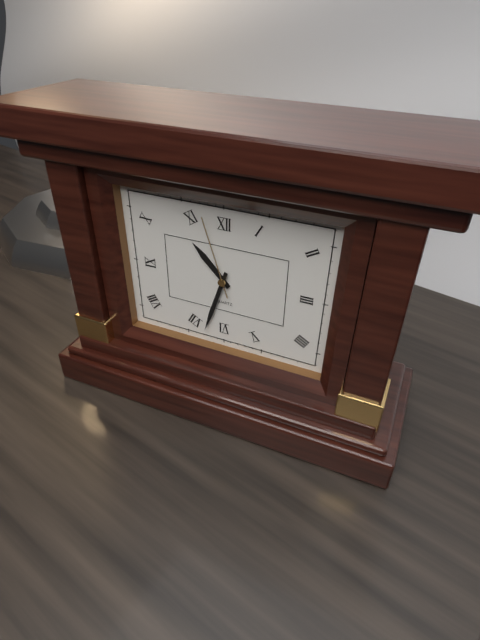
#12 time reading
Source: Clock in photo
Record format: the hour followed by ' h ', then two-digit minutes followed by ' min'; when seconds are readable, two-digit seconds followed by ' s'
10 h 33 min 57 s
